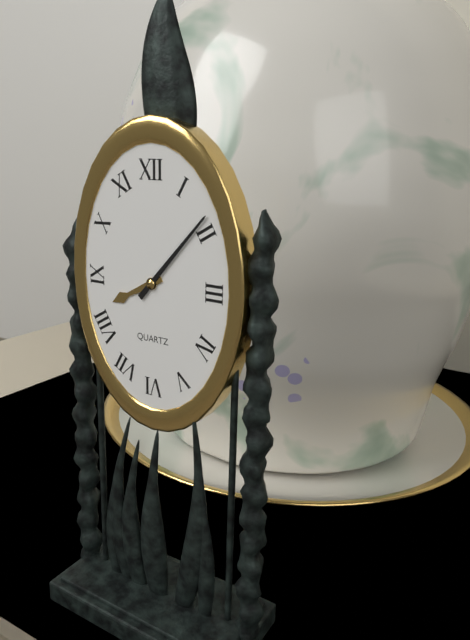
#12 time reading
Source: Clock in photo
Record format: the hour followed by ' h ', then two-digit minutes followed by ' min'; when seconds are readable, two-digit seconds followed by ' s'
8 h 07 min
